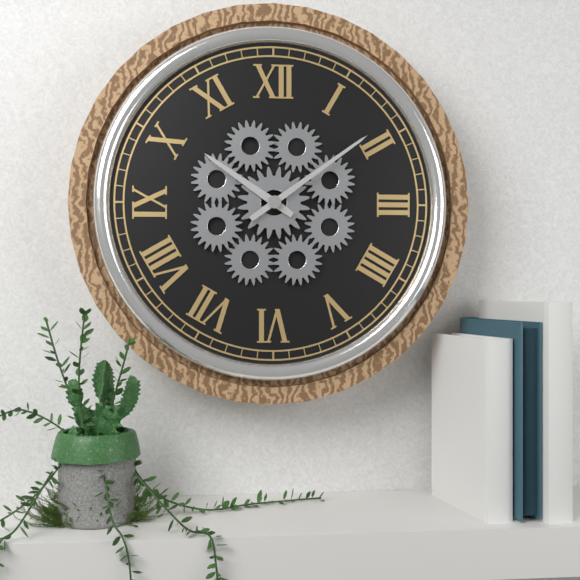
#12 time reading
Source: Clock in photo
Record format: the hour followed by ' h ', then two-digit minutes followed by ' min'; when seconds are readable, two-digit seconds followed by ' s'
10 h 09 min
